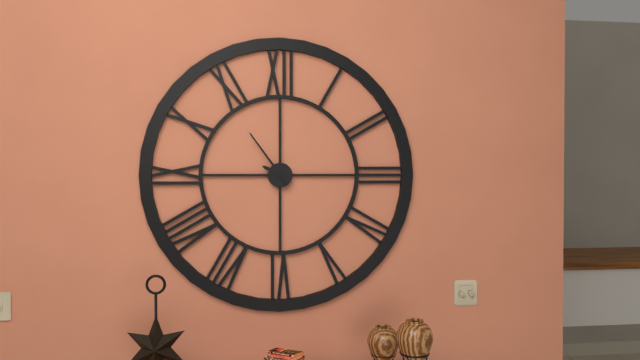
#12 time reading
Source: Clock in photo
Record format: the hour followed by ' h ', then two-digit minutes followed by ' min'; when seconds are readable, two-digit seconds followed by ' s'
9 h 54 min
